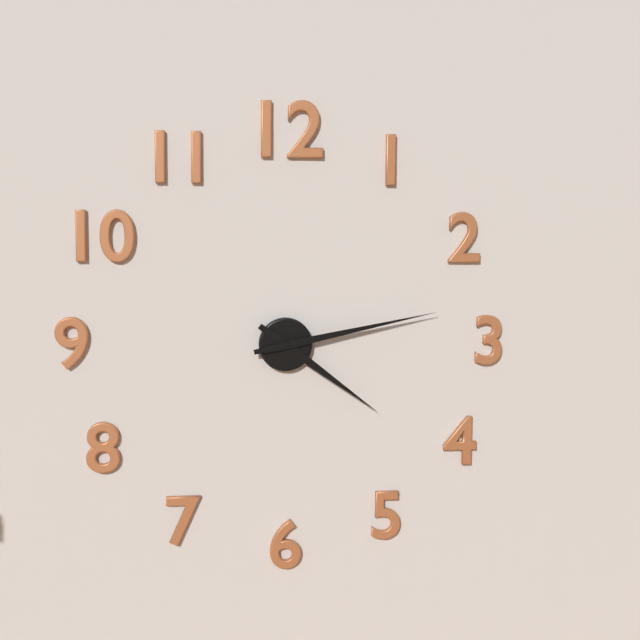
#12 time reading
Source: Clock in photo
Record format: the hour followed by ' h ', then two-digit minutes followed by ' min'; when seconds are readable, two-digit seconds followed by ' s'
4 h 13 min
